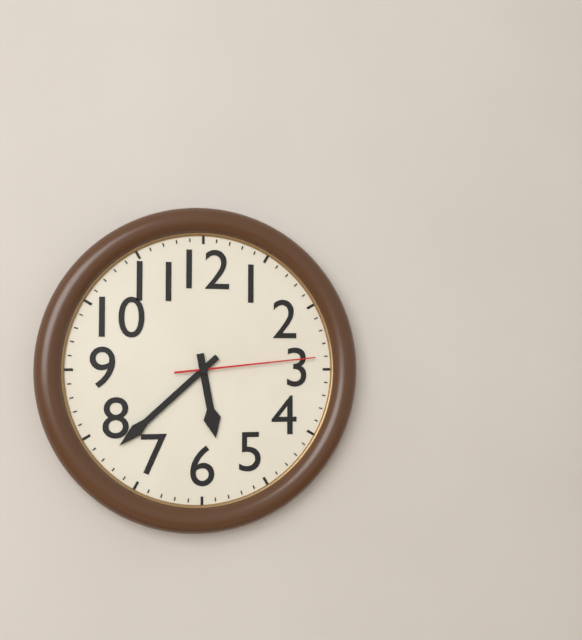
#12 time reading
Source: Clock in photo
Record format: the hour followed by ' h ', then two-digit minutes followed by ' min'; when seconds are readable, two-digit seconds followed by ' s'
5 h 38 min 14 s
